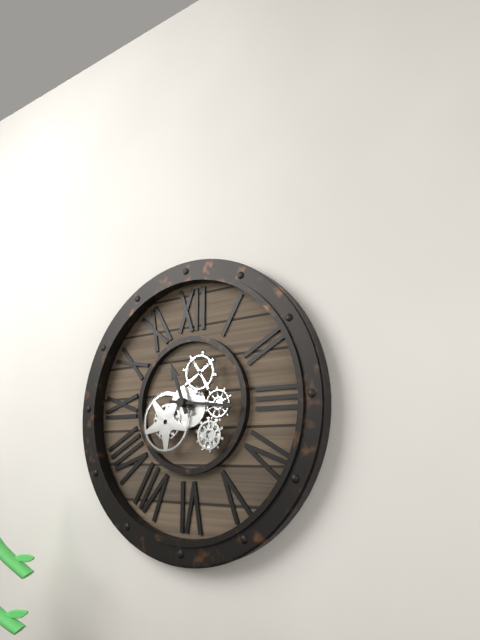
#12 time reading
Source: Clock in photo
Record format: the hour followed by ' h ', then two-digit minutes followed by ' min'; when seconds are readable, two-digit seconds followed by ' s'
11 h 16 min
